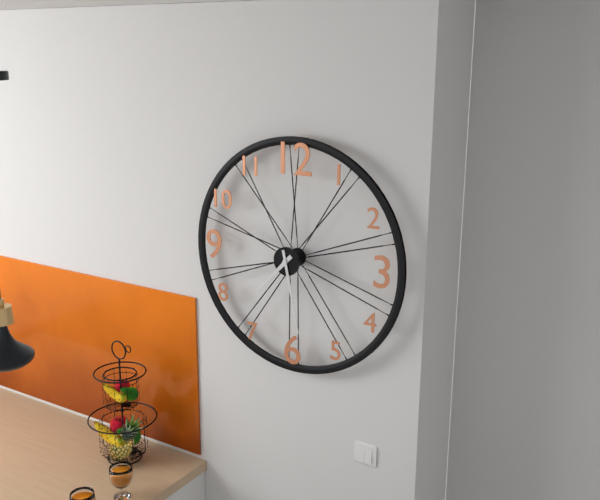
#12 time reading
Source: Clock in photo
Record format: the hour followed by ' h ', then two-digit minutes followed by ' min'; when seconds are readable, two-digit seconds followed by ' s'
7 h 28 min
